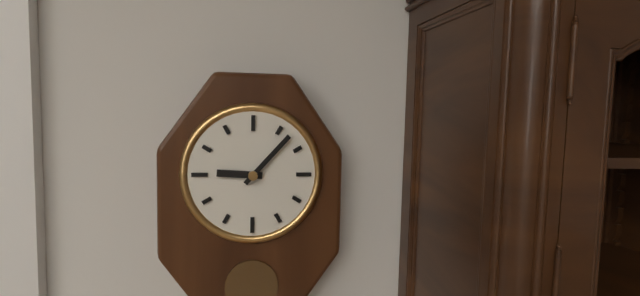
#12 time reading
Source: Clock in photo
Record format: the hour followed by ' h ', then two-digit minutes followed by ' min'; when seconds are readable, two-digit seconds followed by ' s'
9 h 07 min
